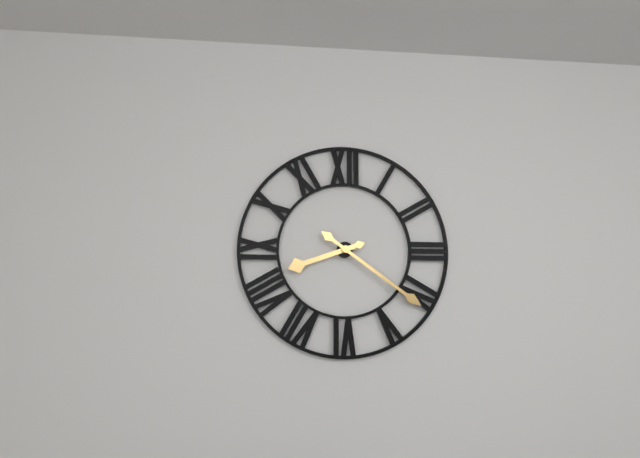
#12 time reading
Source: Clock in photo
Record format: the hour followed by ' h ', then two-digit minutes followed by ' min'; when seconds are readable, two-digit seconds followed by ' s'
8 h 21 min
